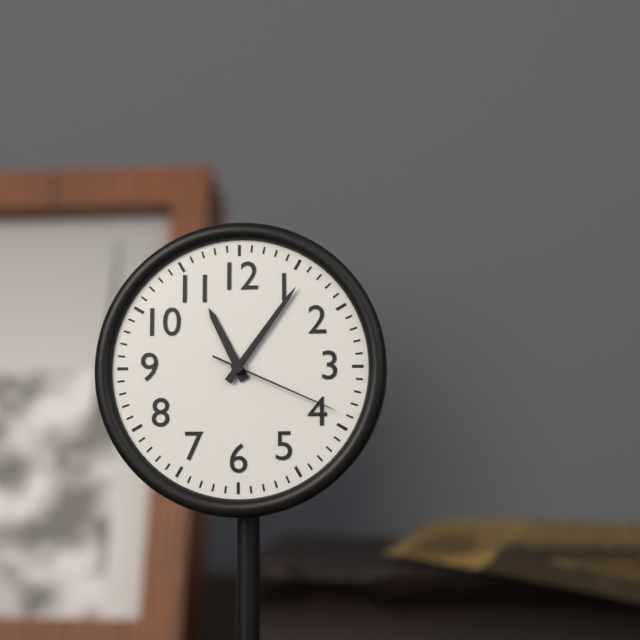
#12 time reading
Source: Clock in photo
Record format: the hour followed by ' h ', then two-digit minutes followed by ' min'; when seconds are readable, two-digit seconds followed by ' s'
11 h 06 min 19 s
